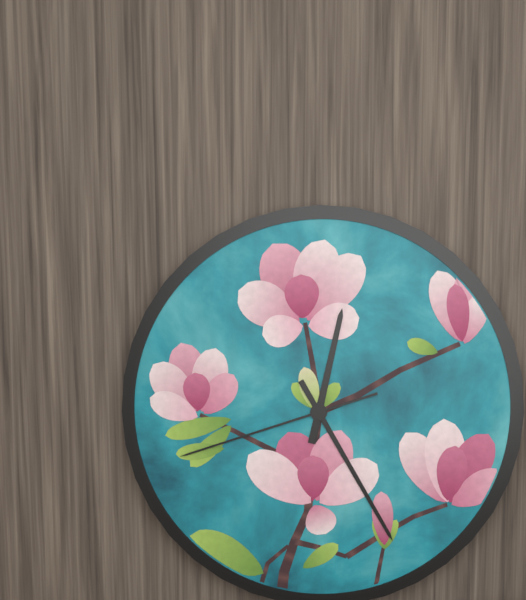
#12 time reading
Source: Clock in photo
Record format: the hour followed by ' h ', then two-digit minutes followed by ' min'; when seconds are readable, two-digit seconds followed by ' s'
12 h 25 min 42 s
